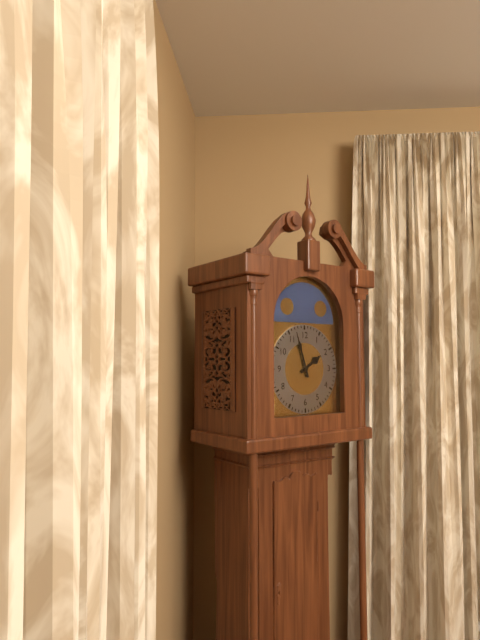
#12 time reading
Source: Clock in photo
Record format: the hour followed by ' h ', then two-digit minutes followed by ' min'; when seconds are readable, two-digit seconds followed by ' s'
1 h 57 min
